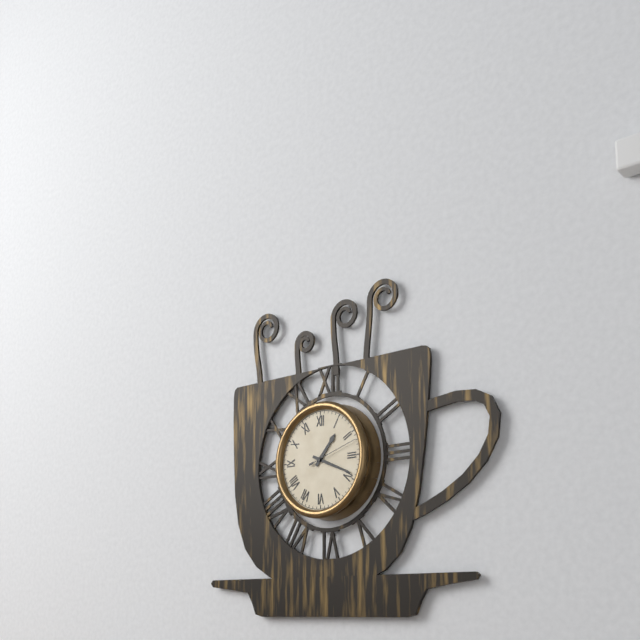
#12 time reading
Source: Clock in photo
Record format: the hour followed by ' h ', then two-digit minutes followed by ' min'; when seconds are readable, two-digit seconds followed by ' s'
1 h 19 min 12 s
